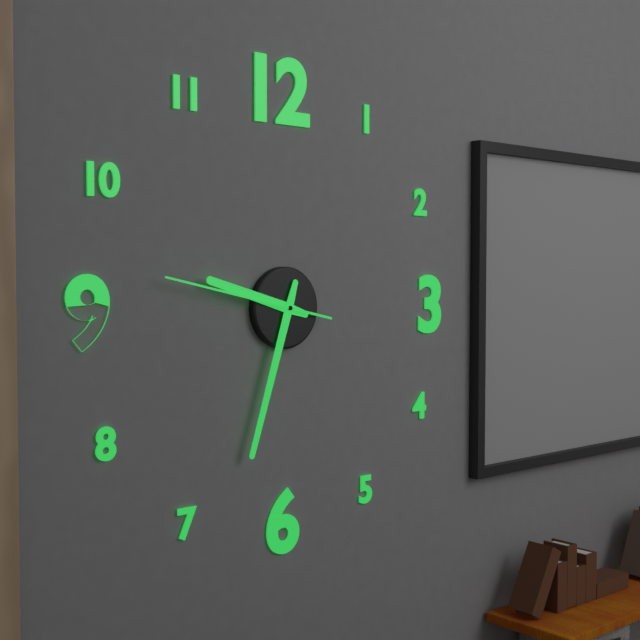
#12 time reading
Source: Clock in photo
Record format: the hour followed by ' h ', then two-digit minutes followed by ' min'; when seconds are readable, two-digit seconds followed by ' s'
9 h 33 min 47 s
